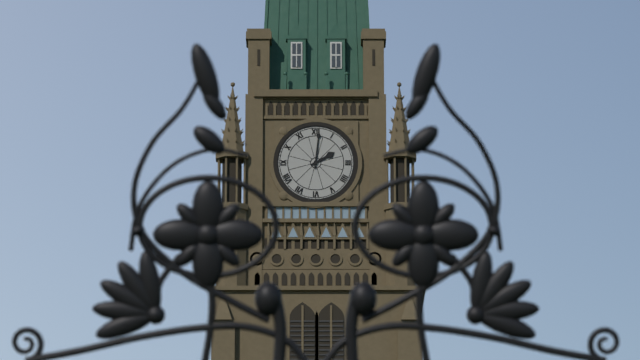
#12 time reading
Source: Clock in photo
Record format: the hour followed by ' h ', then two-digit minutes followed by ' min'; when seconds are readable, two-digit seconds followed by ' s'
2 h 01 min
